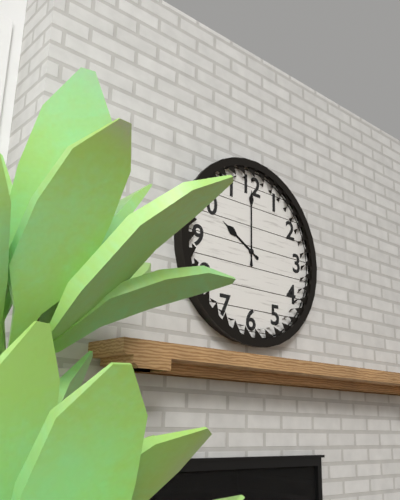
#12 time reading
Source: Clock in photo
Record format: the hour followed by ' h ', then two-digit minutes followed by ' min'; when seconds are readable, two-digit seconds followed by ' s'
10 h 00 min
